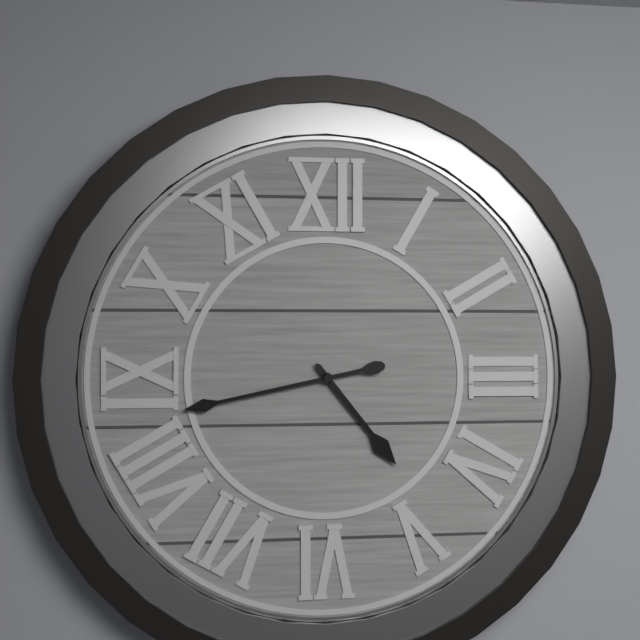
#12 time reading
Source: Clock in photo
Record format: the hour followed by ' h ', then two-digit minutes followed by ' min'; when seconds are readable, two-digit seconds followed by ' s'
4 h 43 min
